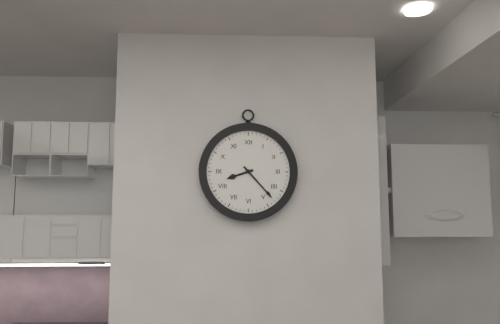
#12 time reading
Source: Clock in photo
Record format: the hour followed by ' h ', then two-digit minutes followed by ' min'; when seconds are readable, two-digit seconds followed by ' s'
8 h 23 min
